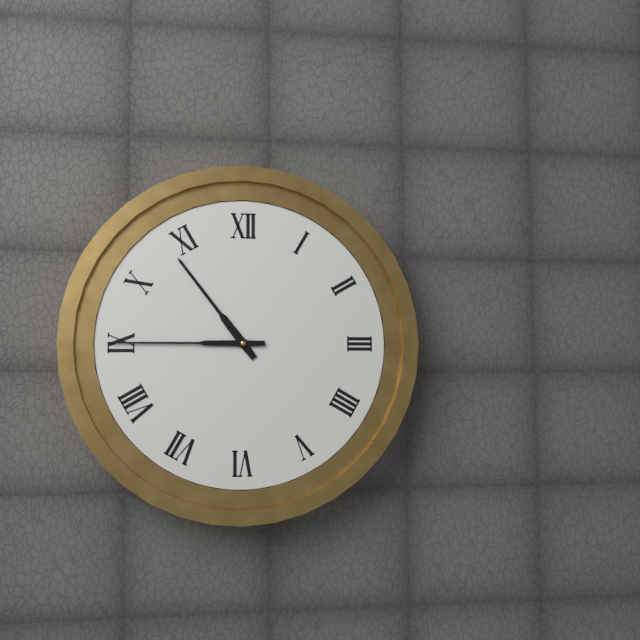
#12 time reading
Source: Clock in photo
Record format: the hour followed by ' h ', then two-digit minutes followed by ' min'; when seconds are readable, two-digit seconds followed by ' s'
10 h 45 min
